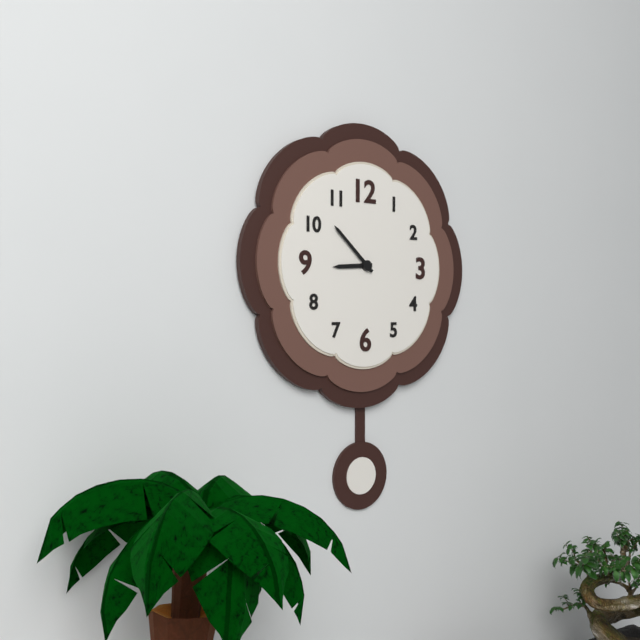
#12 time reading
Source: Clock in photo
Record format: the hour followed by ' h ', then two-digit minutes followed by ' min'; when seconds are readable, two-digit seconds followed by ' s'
8 h 52 min
